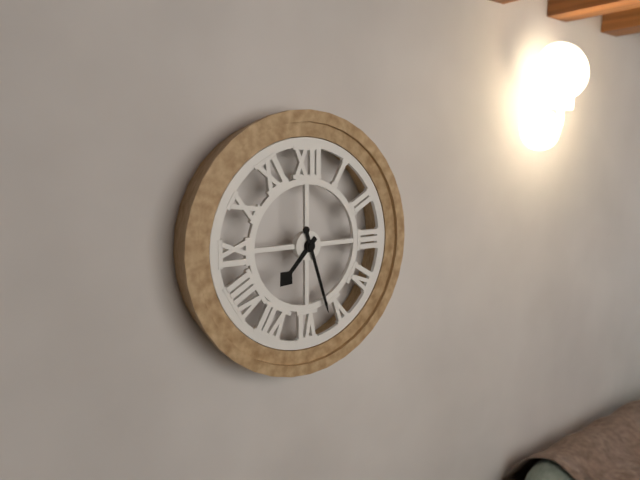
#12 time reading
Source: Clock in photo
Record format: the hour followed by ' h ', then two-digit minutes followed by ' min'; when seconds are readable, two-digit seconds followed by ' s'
7 h 27 min
